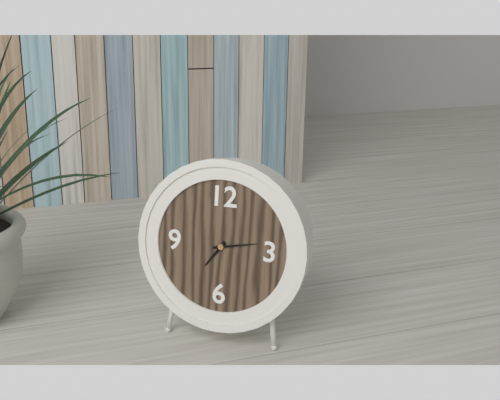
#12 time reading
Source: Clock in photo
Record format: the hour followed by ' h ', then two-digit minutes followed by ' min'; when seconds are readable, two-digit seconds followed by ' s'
7 h 13 min
